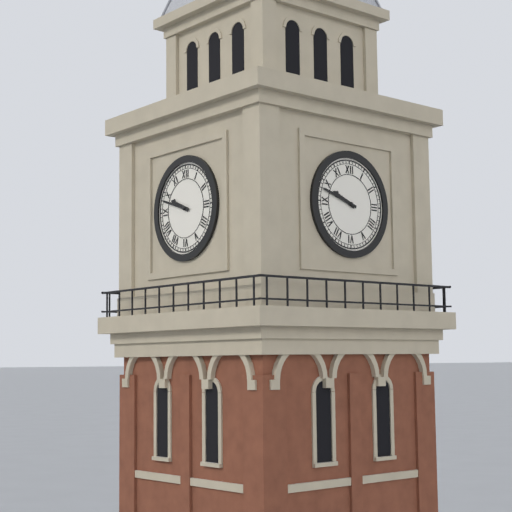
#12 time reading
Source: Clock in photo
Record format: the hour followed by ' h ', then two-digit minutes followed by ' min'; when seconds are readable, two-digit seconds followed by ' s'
9 h 48 min
